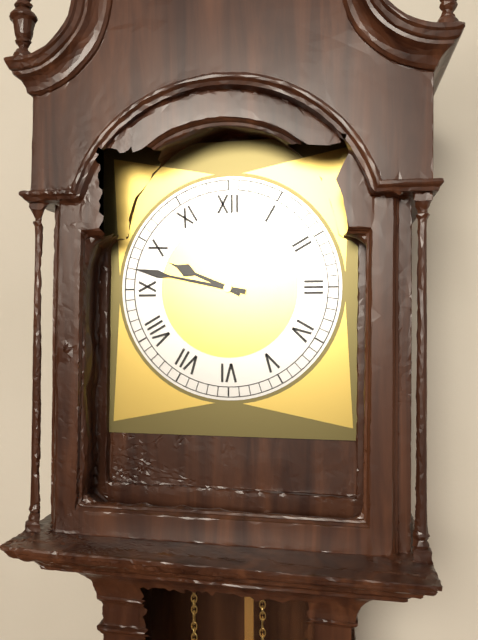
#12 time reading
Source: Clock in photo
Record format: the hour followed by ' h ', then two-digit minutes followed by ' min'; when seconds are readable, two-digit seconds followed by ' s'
9 h 47 min
